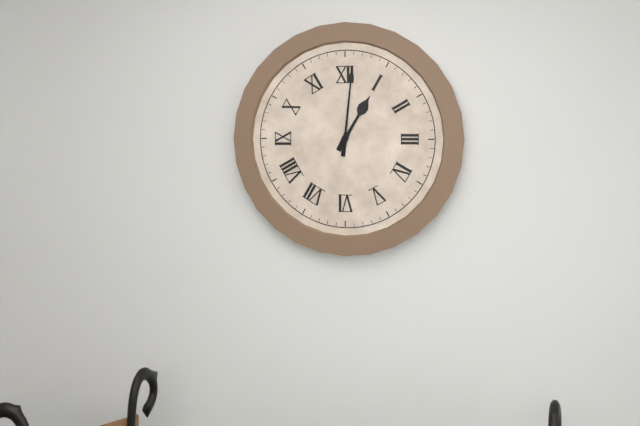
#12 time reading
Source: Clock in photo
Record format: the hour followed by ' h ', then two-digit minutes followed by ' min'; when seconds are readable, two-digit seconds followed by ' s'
1 h 01 min
